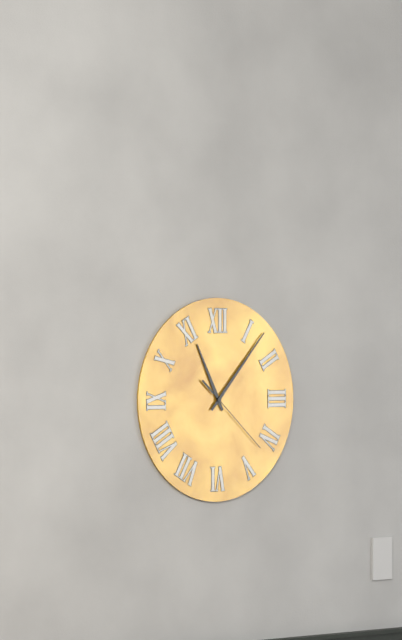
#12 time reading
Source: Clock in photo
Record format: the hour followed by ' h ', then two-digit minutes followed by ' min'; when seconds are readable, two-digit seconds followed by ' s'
11 h 07 min 22 s
